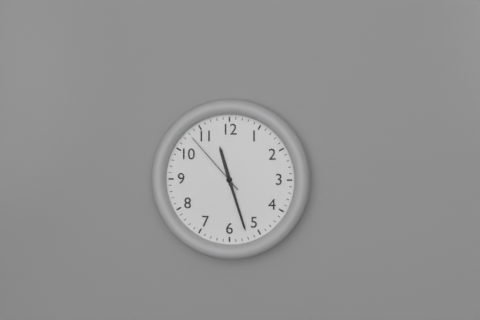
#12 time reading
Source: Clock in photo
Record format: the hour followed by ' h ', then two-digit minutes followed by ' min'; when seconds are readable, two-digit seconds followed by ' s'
11 h 27 min 53 s
